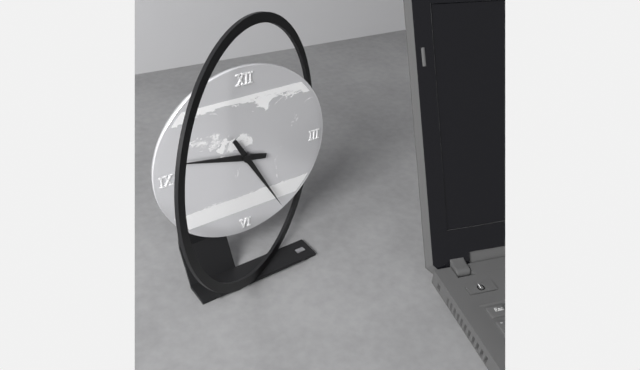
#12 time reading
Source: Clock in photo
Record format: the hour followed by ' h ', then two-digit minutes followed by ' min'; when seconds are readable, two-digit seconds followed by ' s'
9 h 25 min
